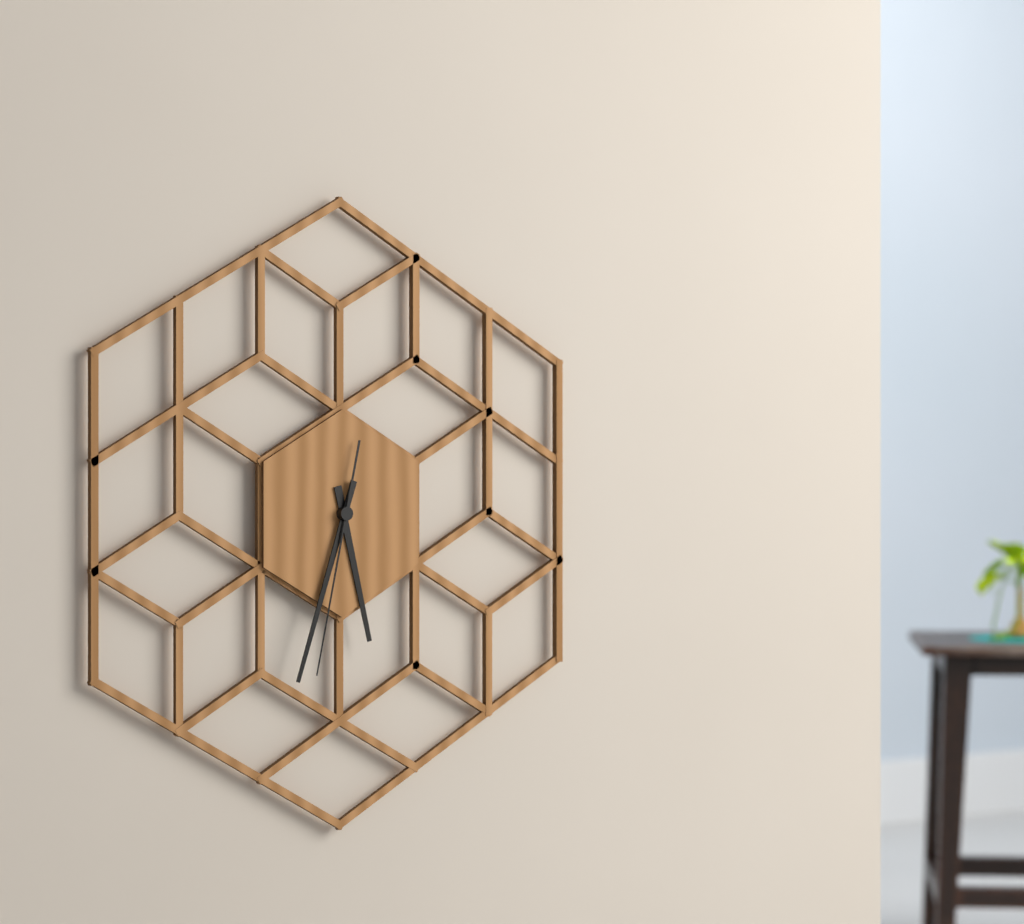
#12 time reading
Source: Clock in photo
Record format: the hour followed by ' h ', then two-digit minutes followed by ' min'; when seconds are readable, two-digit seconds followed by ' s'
5 h 33 min 32 s
